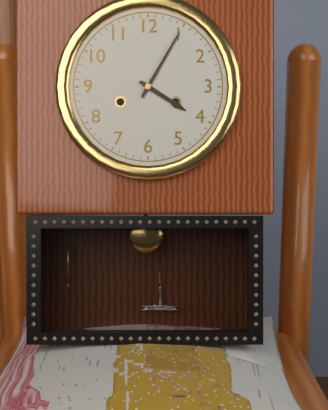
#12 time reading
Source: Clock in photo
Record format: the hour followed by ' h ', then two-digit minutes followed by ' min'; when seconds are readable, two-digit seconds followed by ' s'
4 h 05 min
